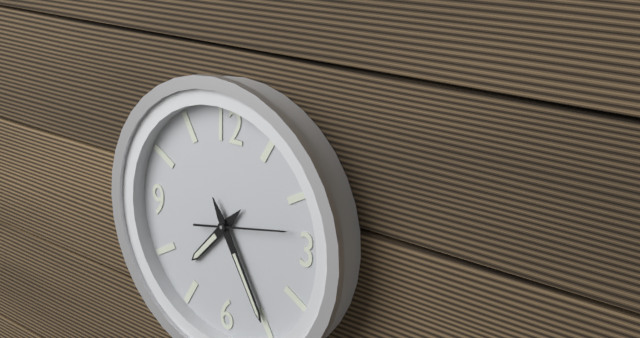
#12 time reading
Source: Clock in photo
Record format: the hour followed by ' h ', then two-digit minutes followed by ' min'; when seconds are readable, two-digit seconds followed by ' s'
7 h 25 min 13 s
